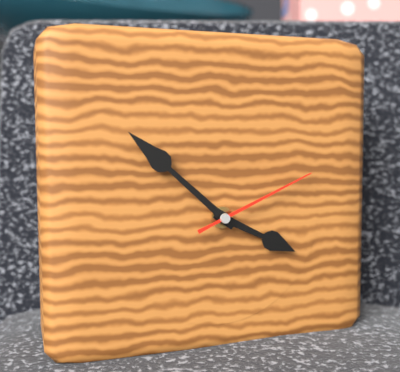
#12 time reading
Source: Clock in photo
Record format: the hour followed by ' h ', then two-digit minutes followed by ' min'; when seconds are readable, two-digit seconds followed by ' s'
3 h 52 min 11 s
